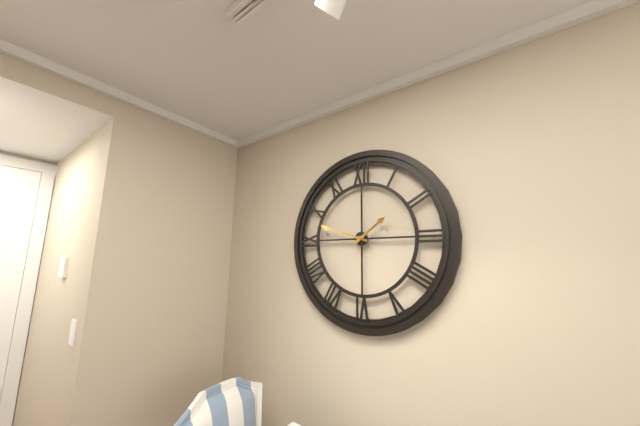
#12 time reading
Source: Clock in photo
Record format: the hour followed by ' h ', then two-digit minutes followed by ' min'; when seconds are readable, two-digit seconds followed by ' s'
1 h 48 min
